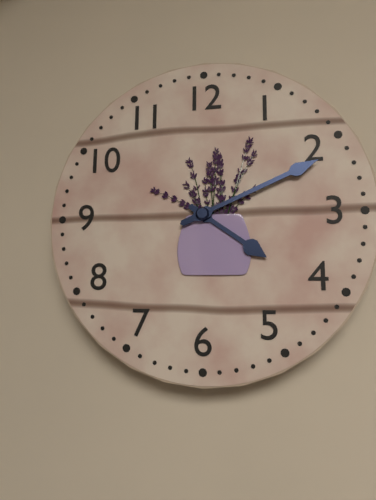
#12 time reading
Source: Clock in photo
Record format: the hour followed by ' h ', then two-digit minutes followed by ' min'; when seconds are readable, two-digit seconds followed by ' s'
4 h 11 min
